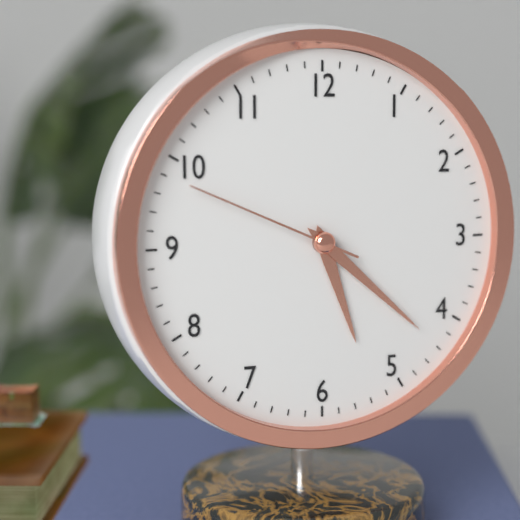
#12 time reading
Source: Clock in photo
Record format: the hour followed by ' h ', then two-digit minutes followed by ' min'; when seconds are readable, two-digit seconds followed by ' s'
5 h 22 min 49 s
